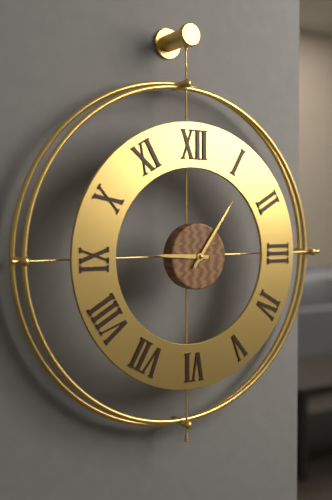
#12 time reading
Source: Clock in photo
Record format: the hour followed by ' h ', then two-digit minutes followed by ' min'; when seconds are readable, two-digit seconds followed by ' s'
9 h 06 min
